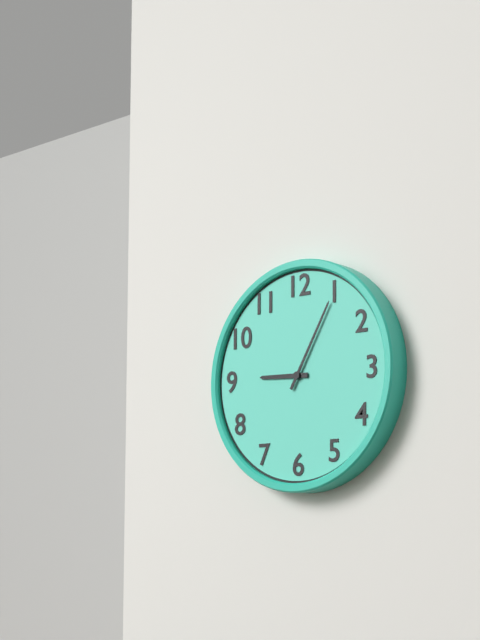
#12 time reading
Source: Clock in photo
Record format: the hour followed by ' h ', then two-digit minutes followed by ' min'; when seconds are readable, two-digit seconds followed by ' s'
9 h 05 min
